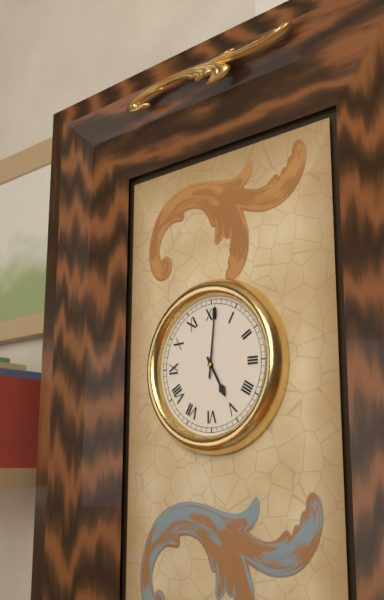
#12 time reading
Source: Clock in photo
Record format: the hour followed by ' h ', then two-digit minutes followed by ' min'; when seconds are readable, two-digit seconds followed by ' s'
5 h 01 min
